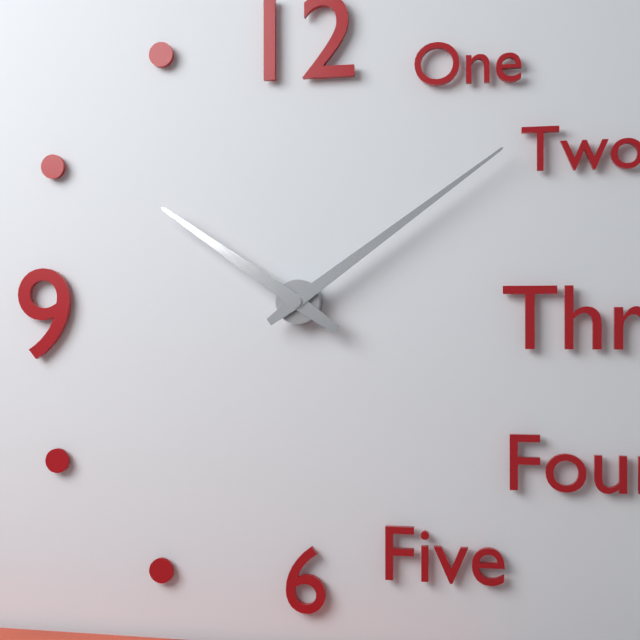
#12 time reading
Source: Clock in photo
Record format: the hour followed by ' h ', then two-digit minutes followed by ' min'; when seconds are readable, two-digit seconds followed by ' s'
10 h 09 min
